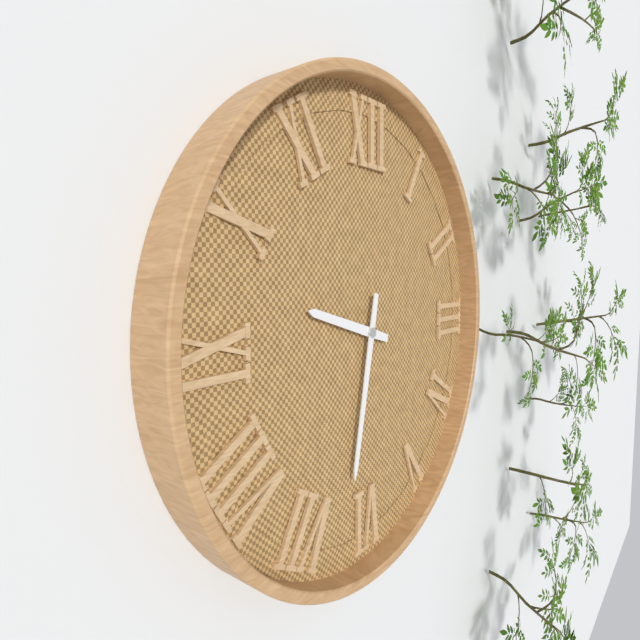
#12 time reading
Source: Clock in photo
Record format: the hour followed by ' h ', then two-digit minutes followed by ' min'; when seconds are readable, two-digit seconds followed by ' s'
9 h 32 min
